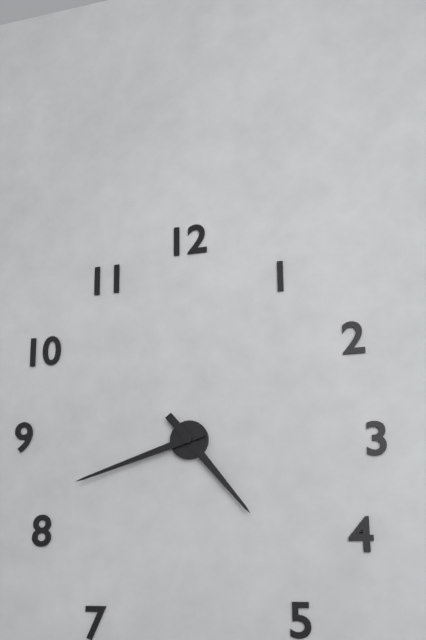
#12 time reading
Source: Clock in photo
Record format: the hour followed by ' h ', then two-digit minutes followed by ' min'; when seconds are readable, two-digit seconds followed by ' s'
4 h 42 min
